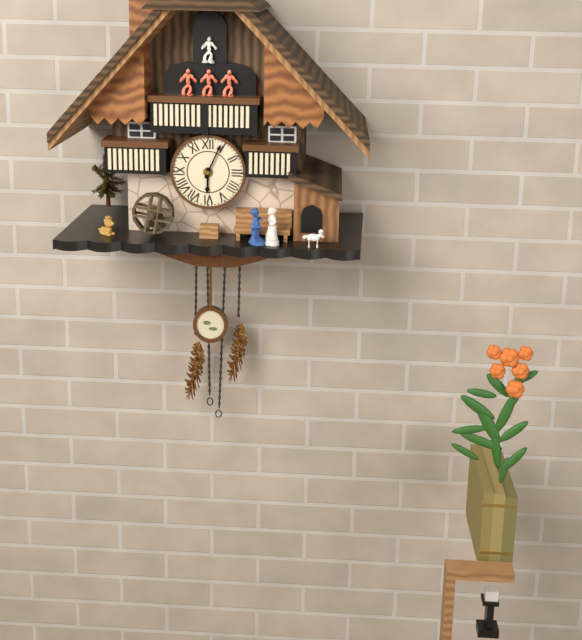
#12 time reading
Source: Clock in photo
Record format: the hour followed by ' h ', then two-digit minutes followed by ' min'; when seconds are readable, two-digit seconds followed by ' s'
6 h 04 min
